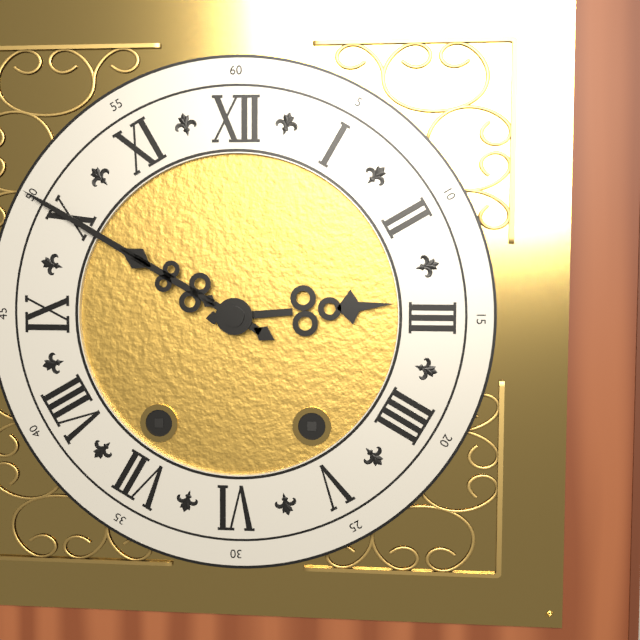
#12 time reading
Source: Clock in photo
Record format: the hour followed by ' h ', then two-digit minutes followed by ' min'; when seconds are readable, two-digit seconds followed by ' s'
2 h 50 min
